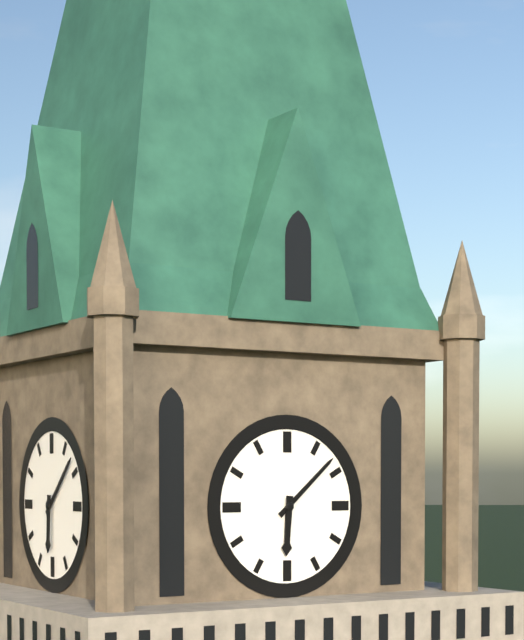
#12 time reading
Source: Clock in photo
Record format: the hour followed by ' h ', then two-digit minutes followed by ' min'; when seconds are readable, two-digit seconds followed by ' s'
6 h 08 min
